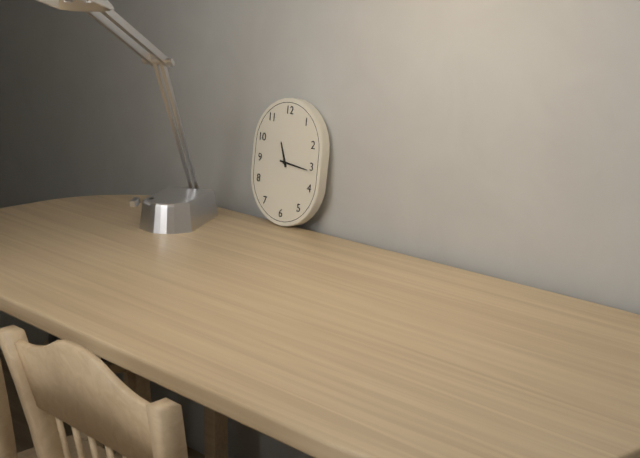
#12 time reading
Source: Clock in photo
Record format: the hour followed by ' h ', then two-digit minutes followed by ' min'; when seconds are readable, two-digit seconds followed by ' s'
11 h 16 min
